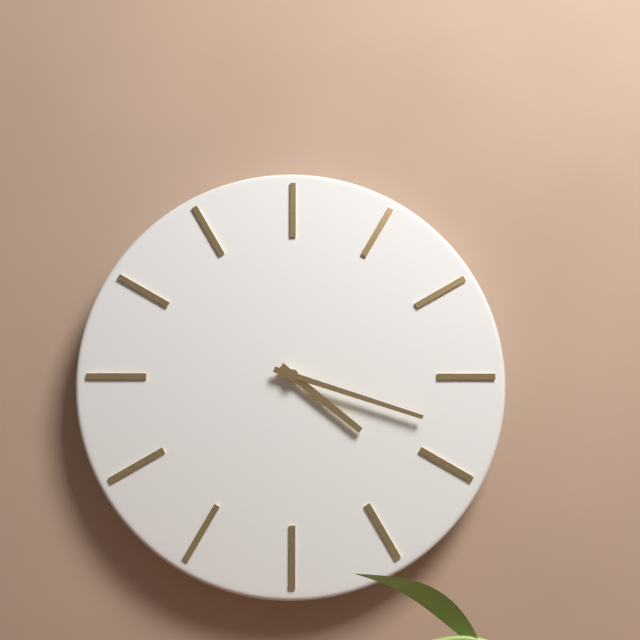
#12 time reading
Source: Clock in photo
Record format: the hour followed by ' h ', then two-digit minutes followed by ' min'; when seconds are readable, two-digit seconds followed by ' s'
4 h 18 min
